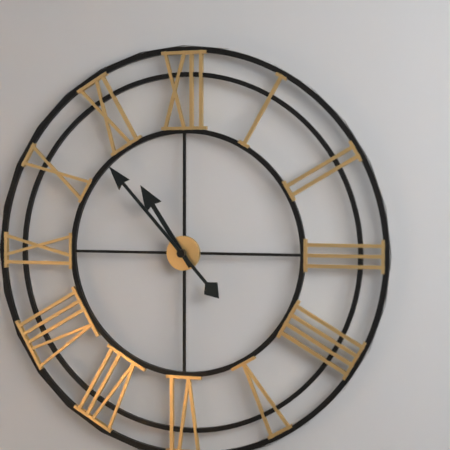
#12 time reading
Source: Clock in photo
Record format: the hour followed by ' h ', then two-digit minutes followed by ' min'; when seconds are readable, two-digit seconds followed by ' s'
10 h 53 min
